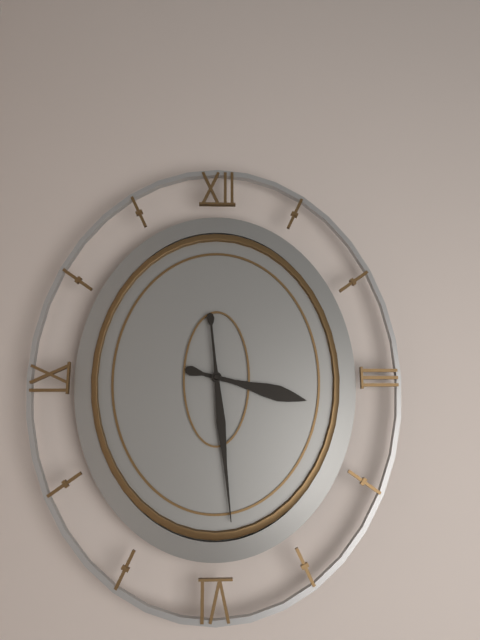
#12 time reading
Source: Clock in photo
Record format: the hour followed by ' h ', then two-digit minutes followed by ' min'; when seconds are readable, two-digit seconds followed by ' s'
3 h 29 min
